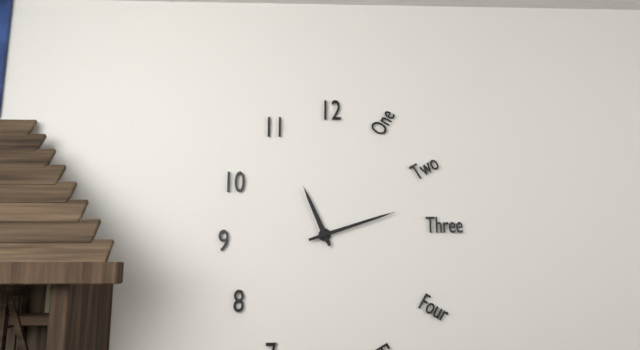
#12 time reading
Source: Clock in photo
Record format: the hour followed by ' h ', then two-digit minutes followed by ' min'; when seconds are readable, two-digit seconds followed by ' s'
11 h 12 min
